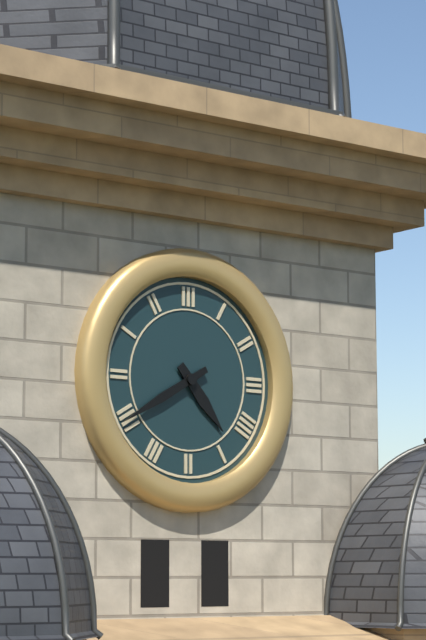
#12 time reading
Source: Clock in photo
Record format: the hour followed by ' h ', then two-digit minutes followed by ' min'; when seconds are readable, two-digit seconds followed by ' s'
4 h 40 min
